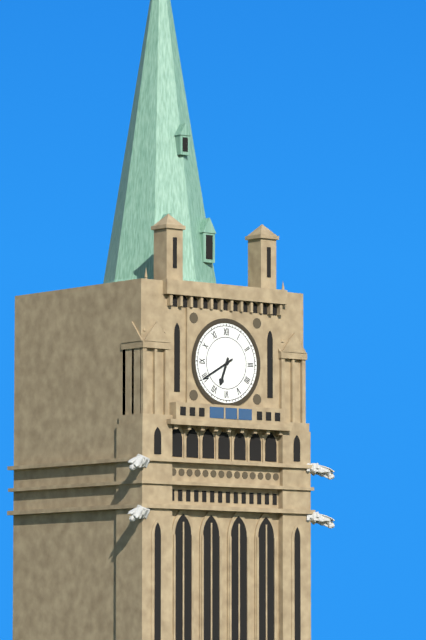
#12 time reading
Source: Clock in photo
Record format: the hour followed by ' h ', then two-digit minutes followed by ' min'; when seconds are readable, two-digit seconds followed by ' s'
6 h 40 min
